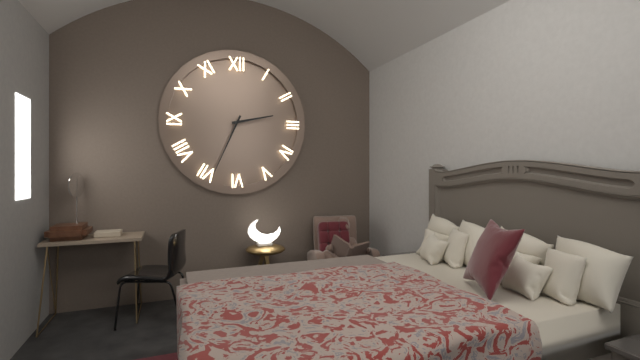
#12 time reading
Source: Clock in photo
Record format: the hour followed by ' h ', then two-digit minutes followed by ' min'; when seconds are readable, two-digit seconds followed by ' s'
2 h 34 min
